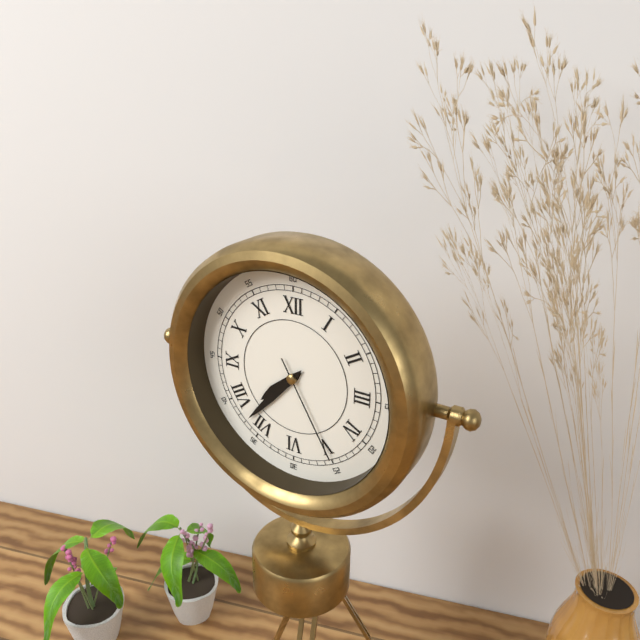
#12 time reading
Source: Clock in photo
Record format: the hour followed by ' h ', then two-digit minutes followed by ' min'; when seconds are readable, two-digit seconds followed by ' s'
7 h 37 min 25 s
